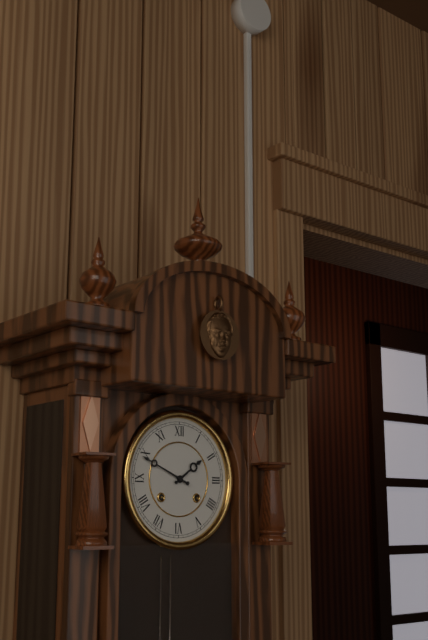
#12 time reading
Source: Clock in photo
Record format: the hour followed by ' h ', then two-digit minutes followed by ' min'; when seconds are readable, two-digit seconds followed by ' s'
1 h 49 min
